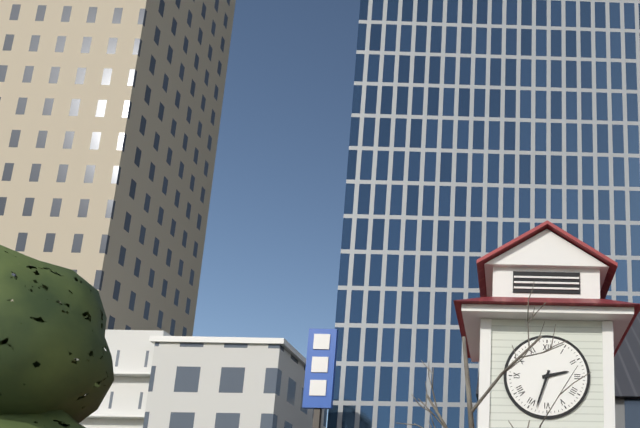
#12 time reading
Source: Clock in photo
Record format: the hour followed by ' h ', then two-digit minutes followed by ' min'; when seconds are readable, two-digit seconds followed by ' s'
2 h 33 min
